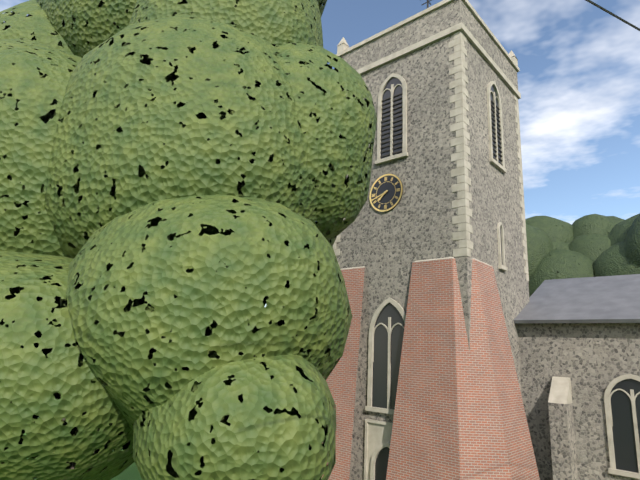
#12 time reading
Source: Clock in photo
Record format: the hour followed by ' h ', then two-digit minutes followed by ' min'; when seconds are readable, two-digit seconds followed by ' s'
7 h 42 min
